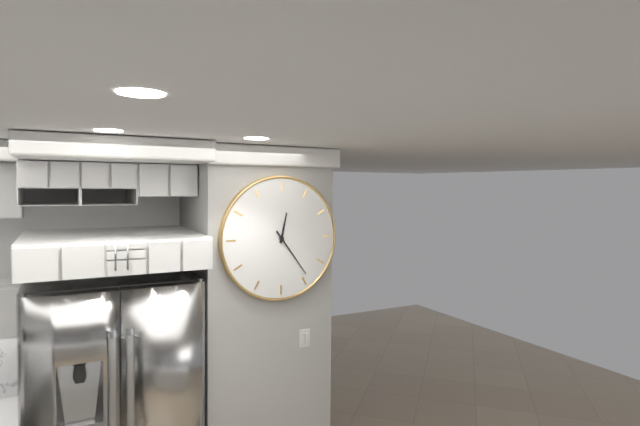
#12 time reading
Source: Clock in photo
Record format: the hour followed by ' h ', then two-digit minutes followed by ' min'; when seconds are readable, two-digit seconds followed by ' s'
12 h 24 min
